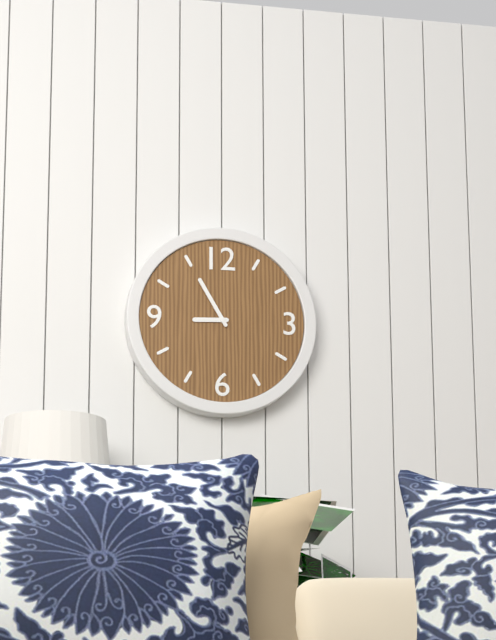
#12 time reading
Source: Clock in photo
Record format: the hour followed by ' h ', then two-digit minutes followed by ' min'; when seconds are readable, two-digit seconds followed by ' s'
8 h 55 min
